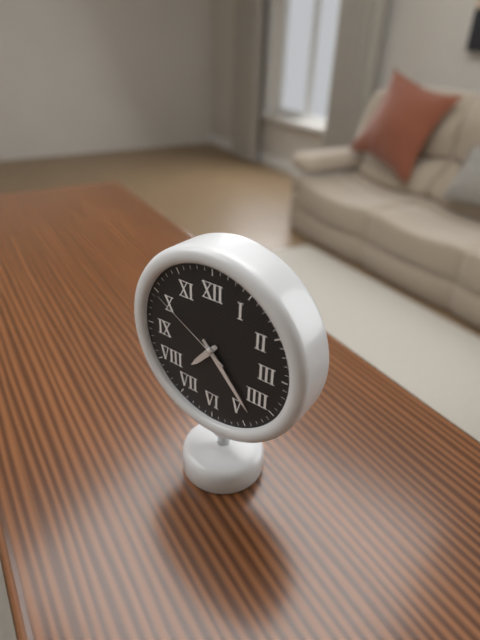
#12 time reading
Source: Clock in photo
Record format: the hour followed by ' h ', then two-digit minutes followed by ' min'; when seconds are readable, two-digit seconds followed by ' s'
7 h 23 min 50 s
